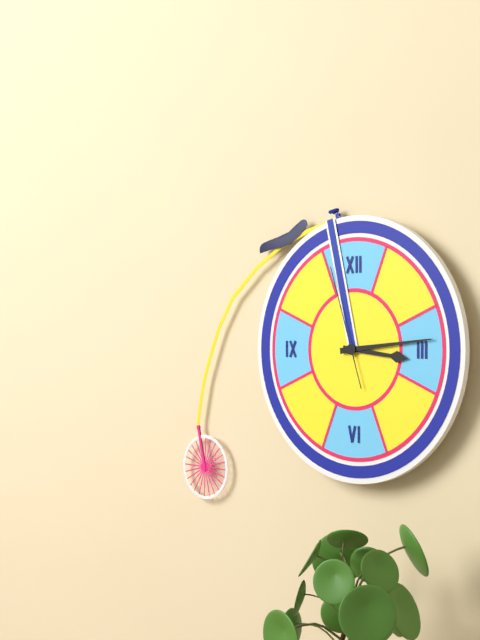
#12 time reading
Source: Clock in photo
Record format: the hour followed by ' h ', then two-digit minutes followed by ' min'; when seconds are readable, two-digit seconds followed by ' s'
3 h 14 min 57 s
